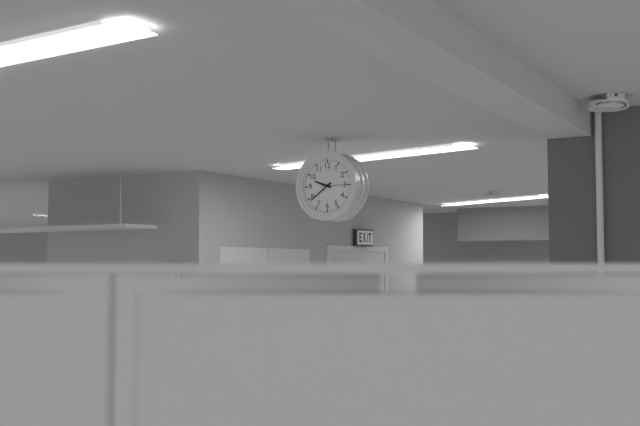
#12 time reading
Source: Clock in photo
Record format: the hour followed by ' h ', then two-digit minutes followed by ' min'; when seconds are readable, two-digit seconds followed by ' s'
9 h 39 min
